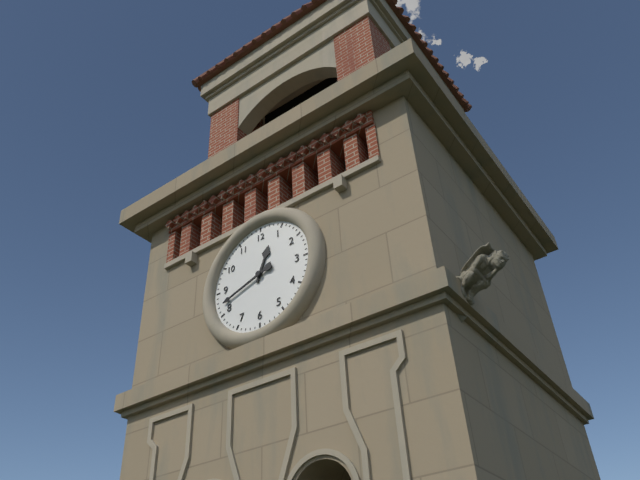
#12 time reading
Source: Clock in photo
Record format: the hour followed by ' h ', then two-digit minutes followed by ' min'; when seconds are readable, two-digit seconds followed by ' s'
12 h 42 min
